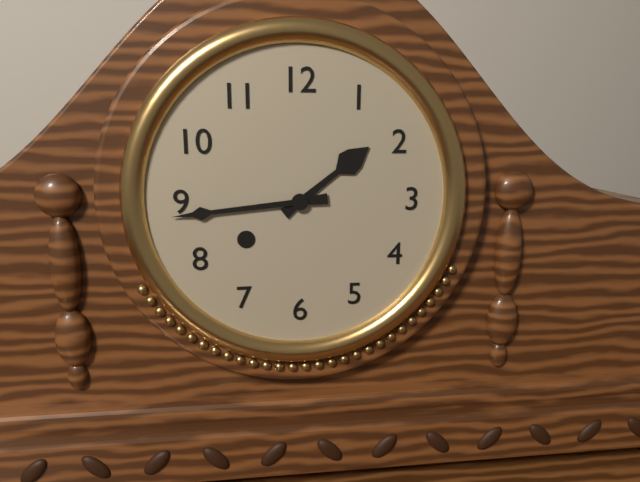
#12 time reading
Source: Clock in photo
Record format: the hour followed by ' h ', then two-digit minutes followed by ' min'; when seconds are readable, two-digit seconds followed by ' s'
1 h 44 min
